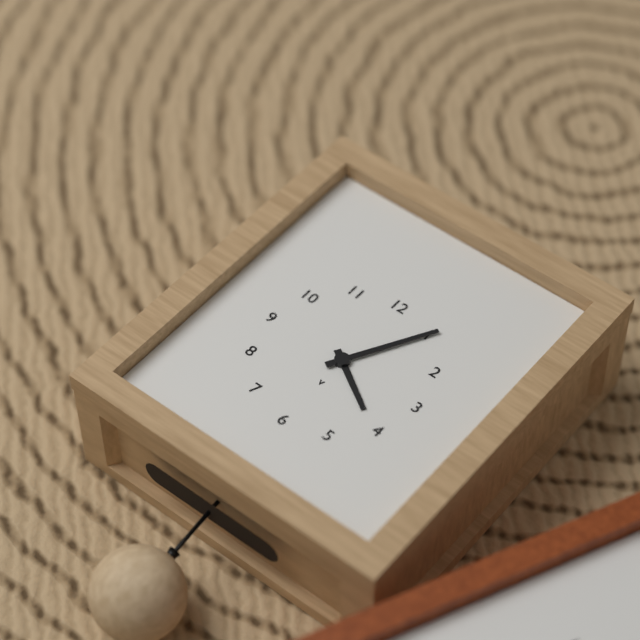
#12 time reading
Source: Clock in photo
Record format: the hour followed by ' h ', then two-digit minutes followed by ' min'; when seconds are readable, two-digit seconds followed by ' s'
4 h 05 min
